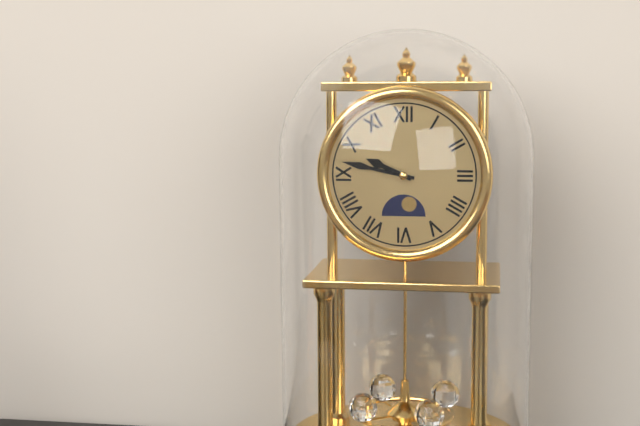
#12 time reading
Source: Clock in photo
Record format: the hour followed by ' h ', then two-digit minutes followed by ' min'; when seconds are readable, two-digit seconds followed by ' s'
9 h 47 min
